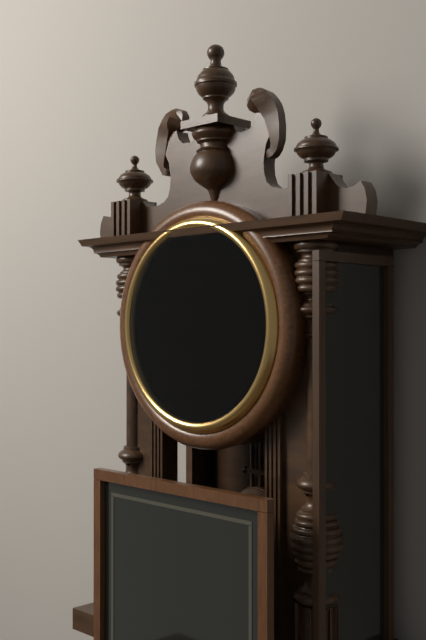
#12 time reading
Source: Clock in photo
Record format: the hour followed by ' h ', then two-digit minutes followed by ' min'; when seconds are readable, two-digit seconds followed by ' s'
7 h 41 min
